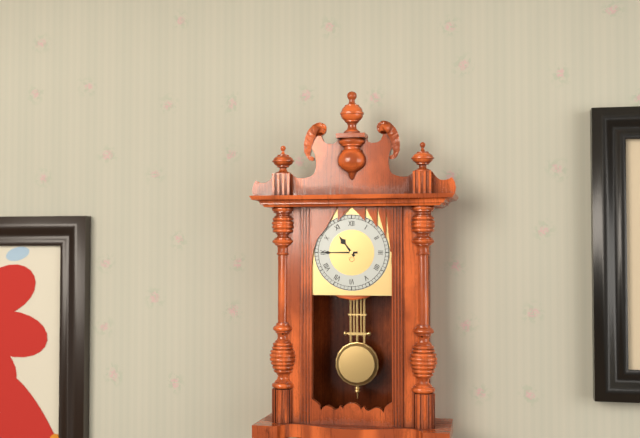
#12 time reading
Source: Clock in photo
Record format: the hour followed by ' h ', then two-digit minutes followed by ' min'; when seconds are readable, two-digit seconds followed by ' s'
10 h 45 min
